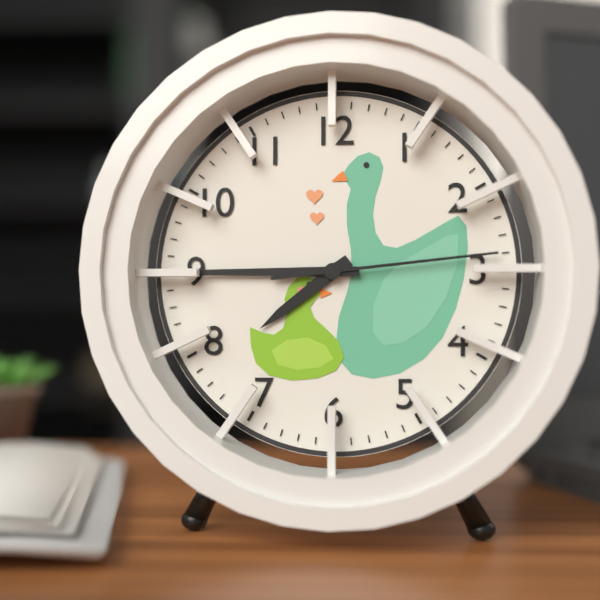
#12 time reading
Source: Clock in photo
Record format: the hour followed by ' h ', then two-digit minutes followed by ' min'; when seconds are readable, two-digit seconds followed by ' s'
7 h 45 min 14 s
